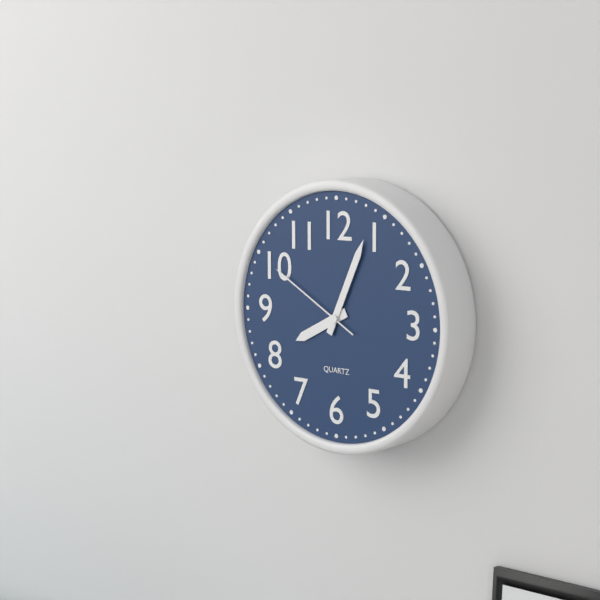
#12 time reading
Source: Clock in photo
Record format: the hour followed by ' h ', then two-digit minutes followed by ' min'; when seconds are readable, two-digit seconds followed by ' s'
8 h 04 min 50 s
